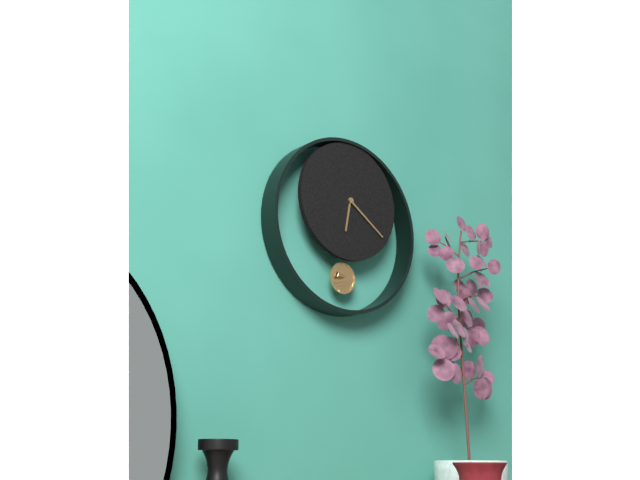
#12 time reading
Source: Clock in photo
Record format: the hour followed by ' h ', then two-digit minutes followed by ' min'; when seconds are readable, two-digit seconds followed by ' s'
6 h 21 min
